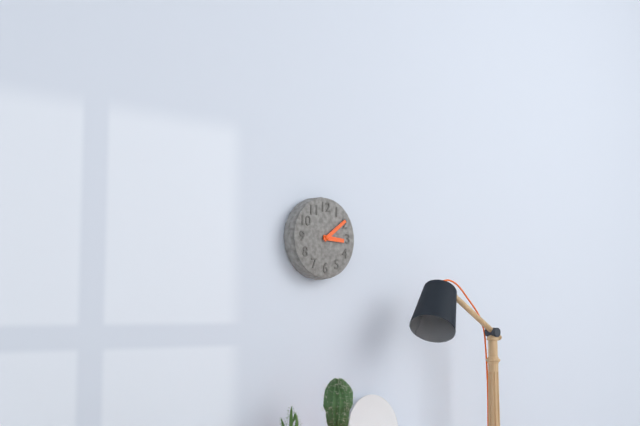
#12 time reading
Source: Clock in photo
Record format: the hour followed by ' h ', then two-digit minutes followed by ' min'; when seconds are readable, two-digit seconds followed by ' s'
3 h 09 min
